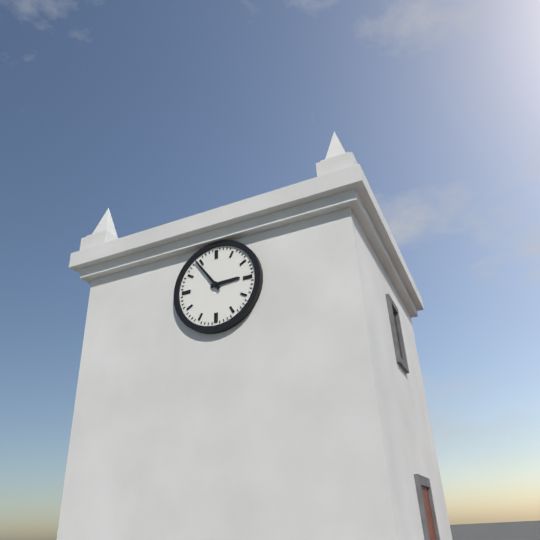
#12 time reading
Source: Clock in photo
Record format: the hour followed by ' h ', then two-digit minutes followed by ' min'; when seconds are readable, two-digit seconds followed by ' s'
2 h 54 min
